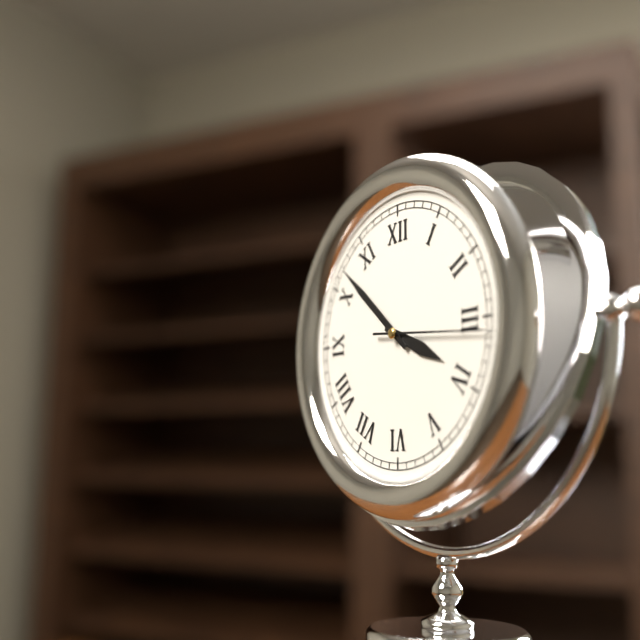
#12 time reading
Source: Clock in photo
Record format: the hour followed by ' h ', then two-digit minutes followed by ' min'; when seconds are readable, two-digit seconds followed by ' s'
3 h 52 min 16 s
